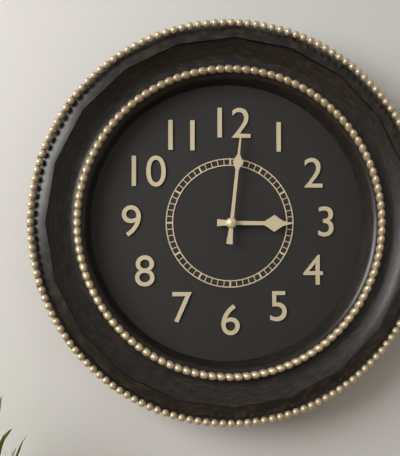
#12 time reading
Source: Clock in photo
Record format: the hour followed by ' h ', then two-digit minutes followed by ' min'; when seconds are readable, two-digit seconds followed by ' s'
3 h 01 min
